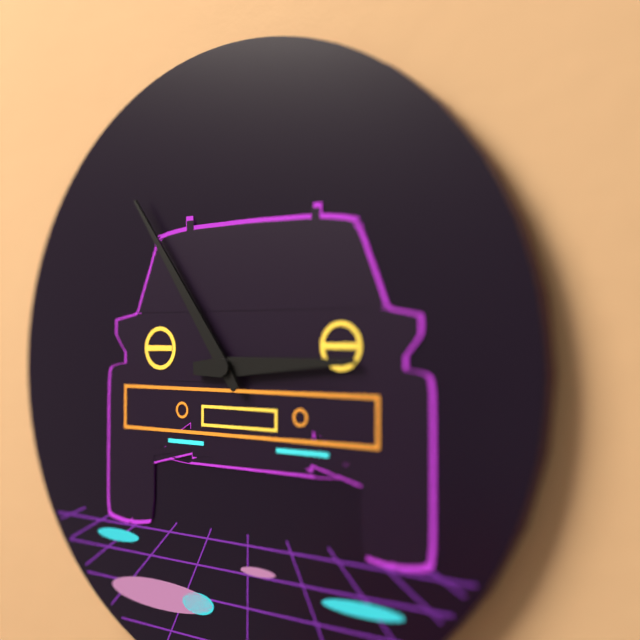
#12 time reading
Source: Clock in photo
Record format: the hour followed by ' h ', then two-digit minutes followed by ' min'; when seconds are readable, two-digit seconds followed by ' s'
2 h 54 min
